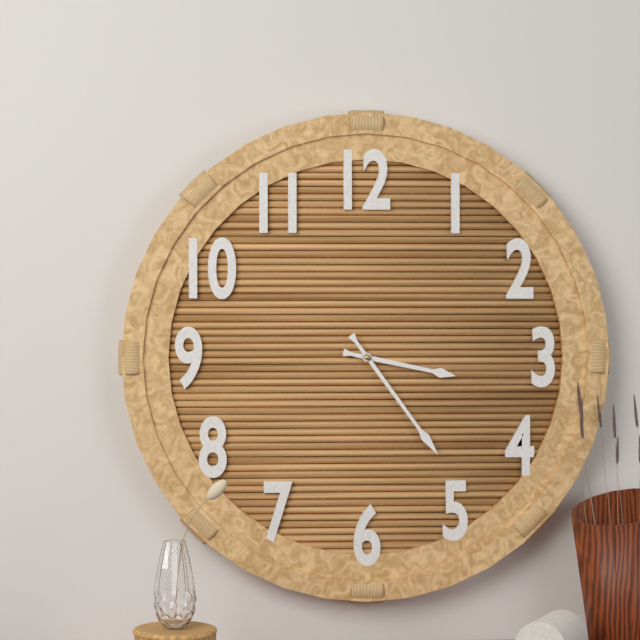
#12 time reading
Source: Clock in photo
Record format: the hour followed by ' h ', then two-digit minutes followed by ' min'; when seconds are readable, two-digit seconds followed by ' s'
3 h 24 min
